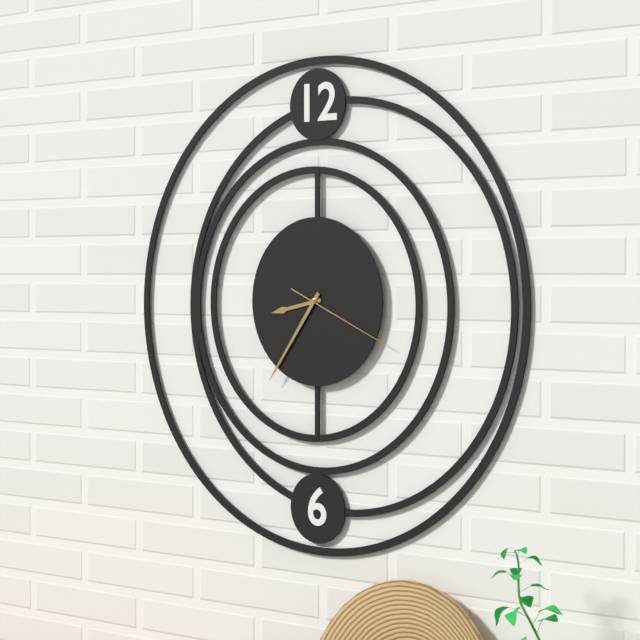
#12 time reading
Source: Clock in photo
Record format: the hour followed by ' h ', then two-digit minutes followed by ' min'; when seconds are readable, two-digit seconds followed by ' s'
8 h 36 min 19 s
